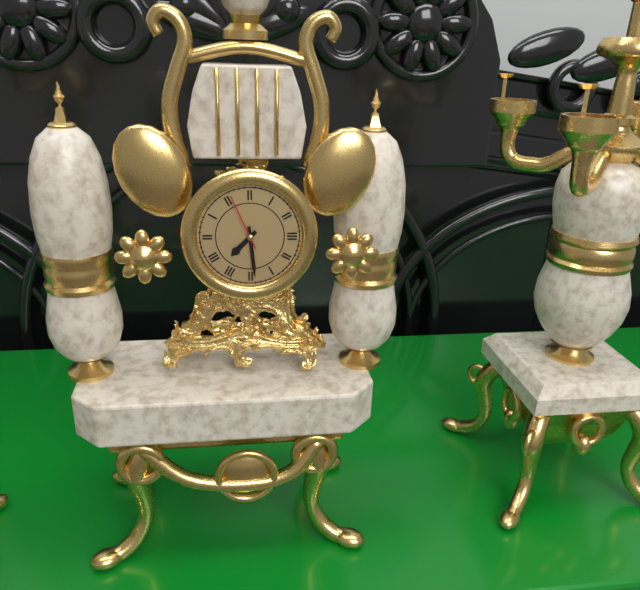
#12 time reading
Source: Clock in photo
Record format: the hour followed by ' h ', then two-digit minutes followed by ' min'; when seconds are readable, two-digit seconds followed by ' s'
7 h 29 min 56 s
